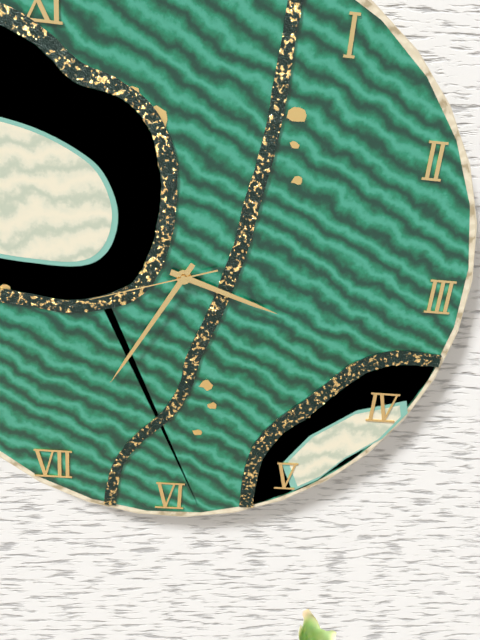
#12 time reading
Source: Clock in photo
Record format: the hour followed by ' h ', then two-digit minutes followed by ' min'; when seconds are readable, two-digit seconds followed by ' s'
3 h 35 min 42 s
